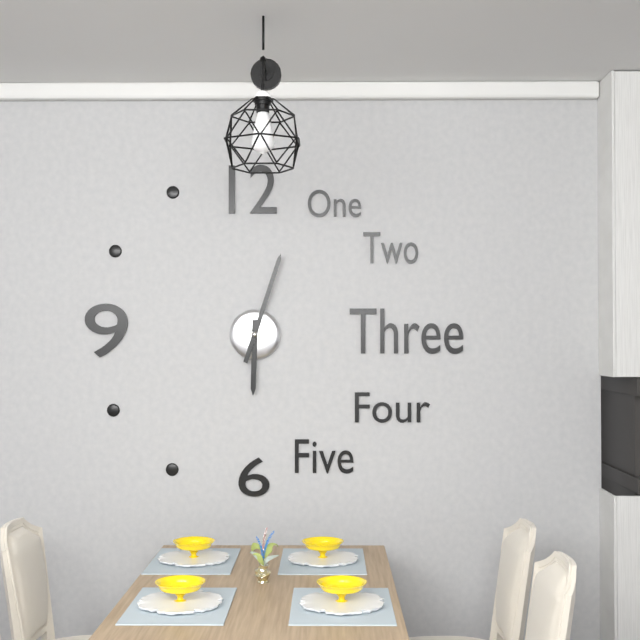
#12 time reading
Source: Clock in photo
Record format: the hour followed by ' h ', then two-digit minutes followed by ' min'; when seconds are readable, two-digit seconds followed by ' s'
6 h 03 min
